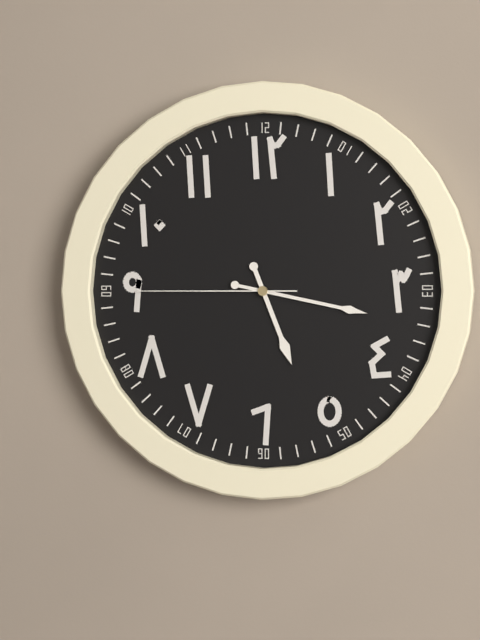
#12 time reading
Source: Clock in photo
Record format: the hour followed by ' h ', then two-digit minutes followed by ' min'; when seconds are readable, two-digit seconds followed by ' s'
5 h 17 min 45 s
